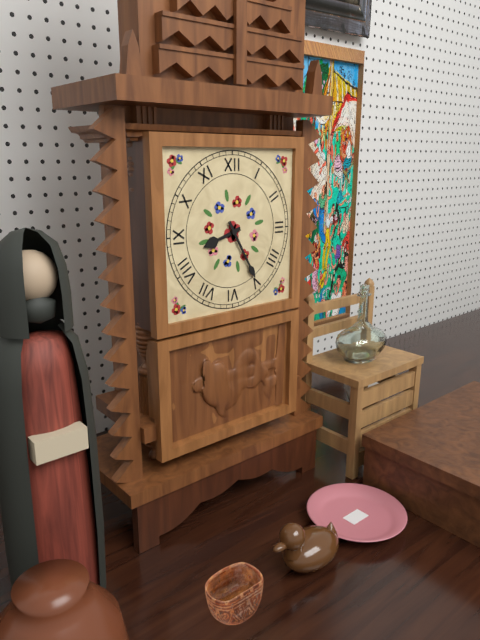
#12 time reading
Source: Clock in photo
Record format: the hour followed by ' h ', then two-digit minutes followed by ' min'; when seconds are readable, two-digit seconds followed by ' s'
8 h 25 min
